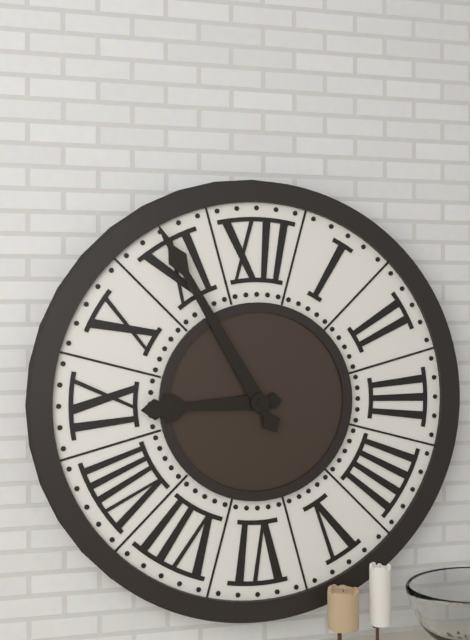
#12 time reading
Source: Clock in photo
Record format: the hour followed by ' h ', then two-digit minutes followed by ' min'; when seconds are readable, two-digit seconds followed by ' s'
8 h 55 min
